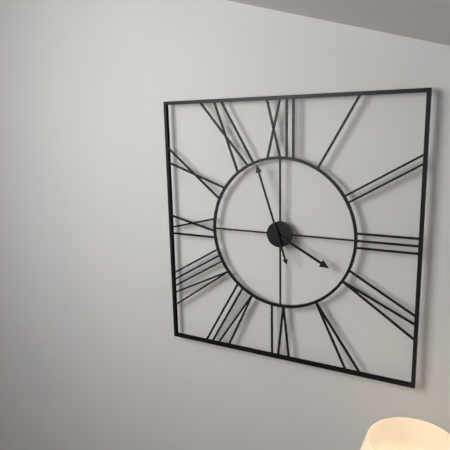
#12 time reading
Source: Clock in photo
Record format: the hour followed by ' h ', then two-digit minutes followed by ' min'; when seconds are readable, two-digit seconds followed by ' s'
3 h 57 min
